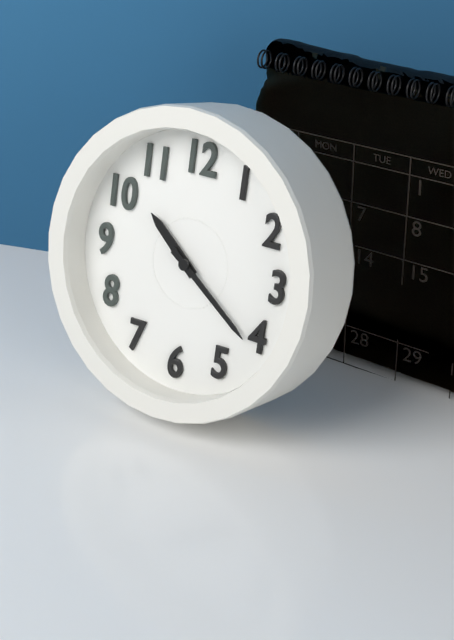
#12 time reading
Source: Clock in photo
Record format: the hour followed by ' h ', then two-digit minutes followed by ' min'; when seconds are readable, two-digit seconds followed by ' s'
10 h 21 min
